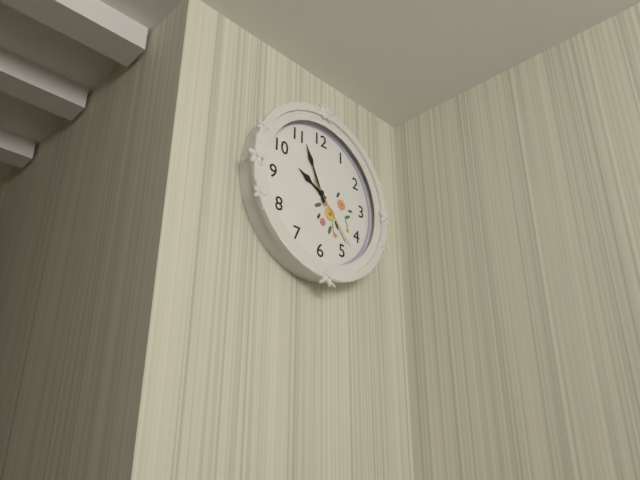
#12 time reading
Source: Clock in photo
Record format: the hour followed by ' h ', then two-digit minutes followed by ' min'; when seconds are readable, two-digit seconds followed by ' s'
9 h 56 min 23 s
